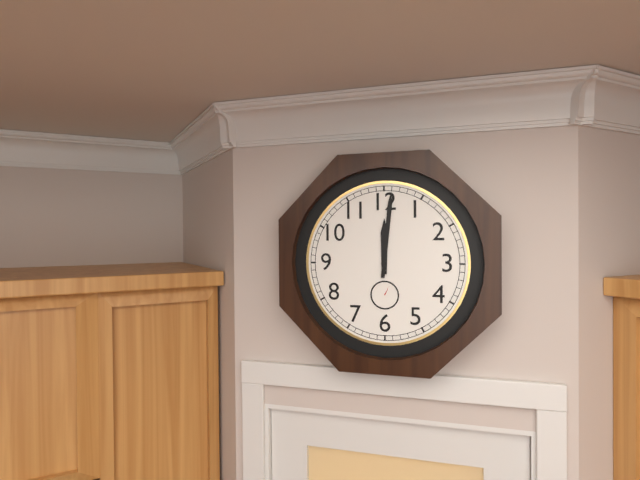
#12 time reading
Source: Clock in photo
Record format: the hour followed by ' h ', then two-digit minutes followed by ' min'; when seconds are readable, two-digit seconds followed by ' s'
12 h 01 min
